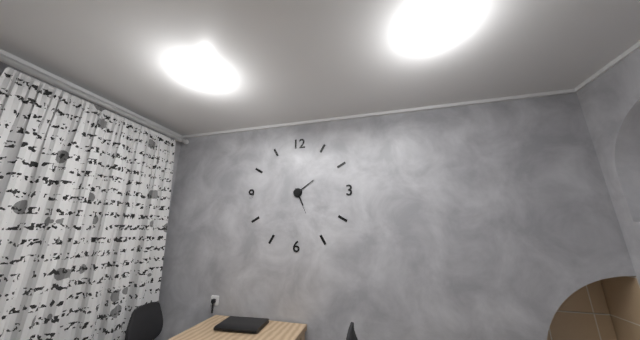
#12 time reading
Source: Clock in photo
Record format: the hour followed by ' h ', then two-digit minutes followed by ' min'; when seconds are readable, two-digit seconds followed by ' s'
5 h 09 min
